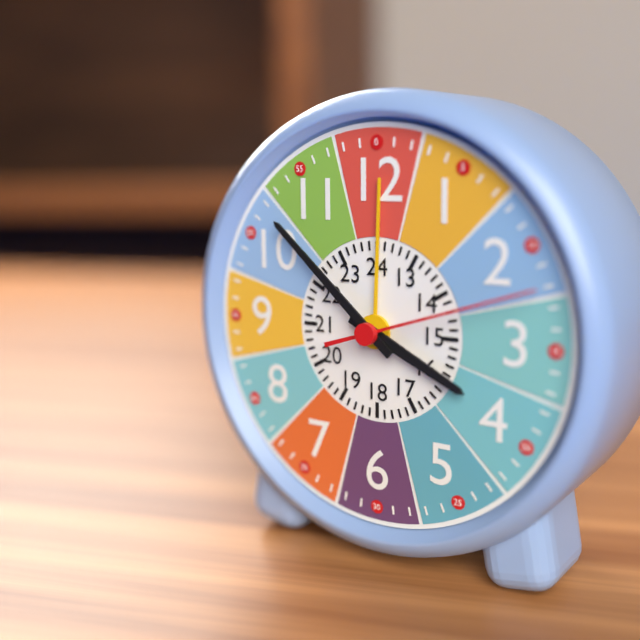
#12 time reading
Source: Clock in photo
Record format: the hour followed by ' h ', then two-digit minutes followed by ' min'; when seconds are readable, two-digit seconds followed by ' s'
3 h 52 min 12 s
